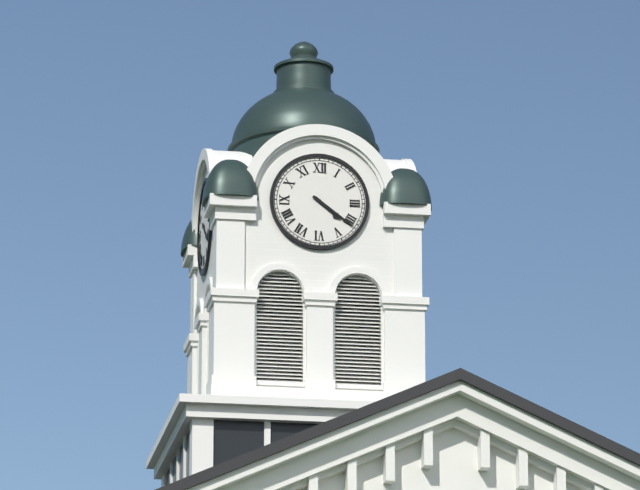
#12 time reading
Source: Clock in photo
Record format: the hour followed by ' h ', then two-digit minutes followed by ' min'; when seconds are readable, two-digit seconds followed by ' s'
4 h 21 min
